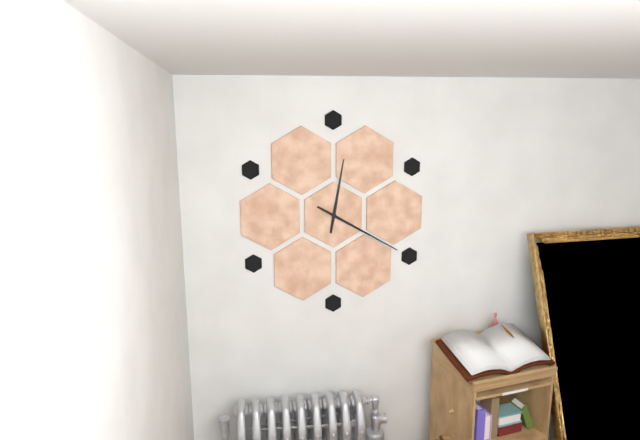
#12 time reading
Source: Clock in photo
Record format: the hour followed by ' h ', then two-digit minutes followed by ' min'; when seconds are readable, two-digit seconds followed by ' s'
12 h 20 min
